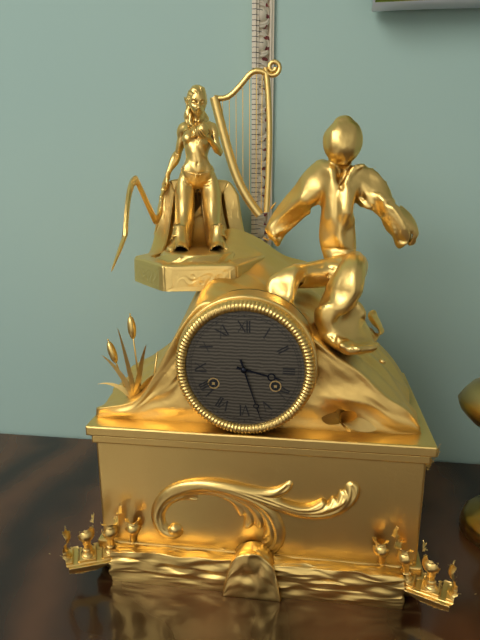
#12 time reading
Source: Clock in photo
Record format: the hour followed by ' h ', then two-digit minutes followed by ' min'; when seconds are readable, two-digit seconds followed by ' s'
3 h 27 min
